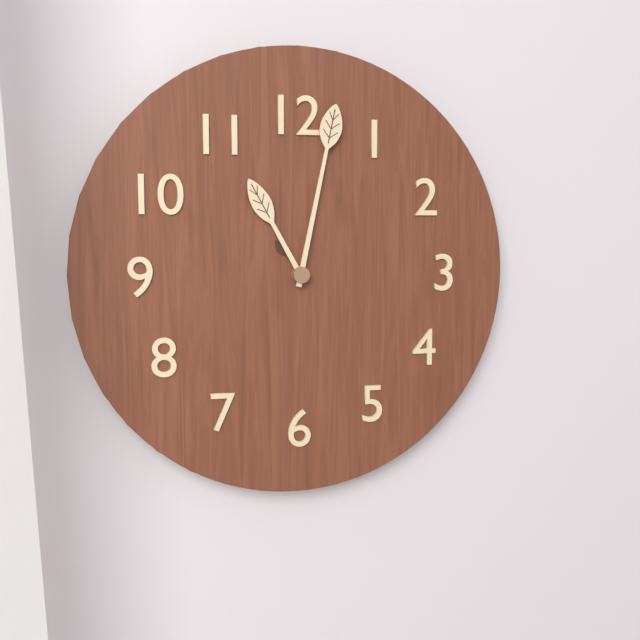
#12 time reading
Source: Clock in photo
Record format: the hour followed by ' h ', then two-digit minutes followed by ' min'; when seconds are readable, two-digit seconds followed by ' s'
11 h 02 min
